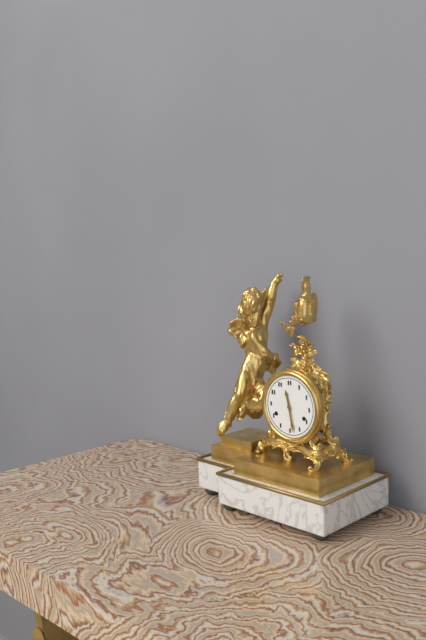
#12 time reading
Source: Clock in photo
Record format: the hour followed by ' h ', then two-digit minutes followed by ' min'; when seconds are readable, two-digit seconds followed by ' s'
11 h 28 min
